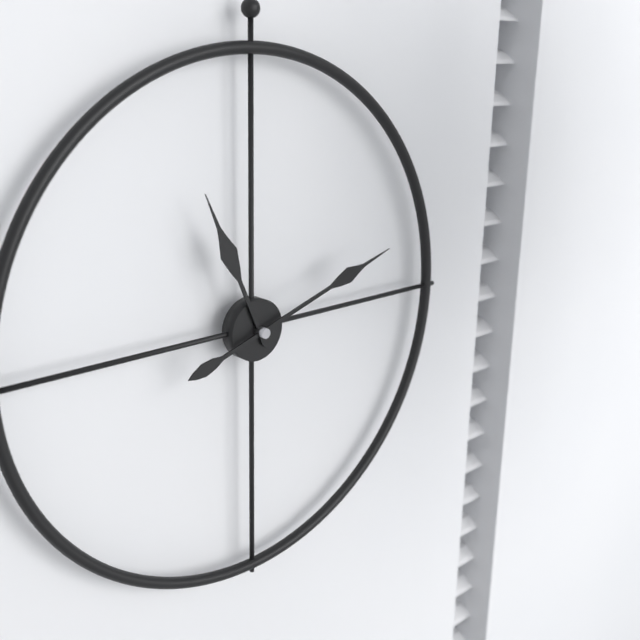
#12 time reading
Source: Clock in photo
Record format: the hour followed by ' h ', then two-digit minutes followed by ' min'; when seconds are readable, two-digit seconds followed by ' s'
11 h 12 min
